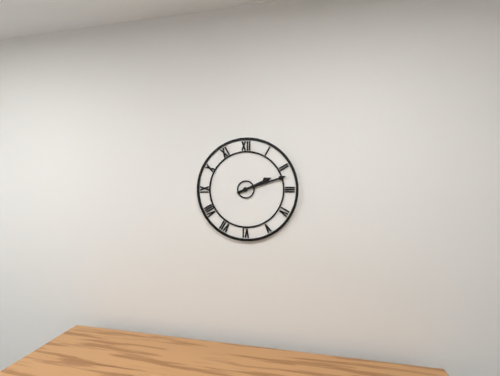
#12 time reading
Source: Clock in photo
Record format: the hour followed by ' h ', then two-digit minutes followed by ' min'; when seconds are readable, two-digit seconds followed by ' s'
2 h 12 min
